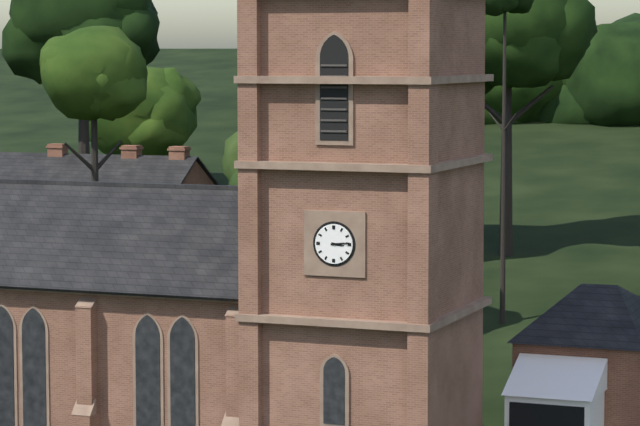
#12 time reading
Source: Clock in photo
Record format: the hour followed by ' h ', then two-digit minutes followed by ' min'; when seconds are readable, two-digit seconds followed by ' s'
3 h 14 min
